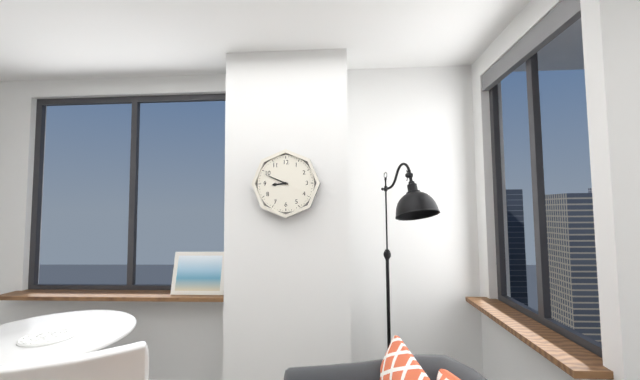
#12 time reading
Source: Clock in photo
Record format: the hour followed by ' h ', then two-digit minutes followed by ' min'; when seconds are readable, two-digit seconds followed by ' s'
8 h 49 min
